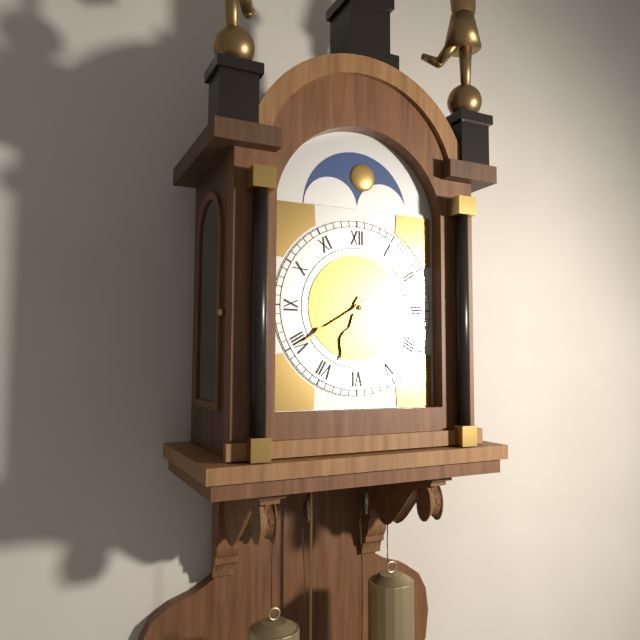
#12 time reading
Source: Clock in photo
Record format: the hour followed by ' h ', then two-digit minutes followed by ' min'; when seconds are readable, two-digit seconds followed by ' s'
6 h 40 min
